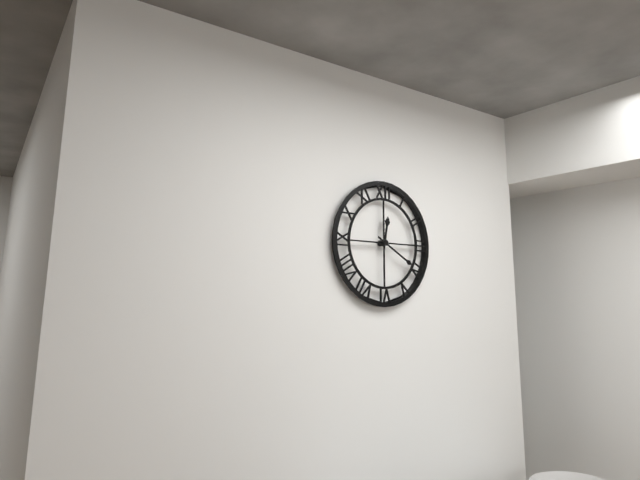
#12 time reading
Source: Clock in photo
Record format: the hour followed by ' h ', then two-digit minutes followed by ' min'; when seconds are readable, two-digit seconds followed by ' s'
12 h 20 min
